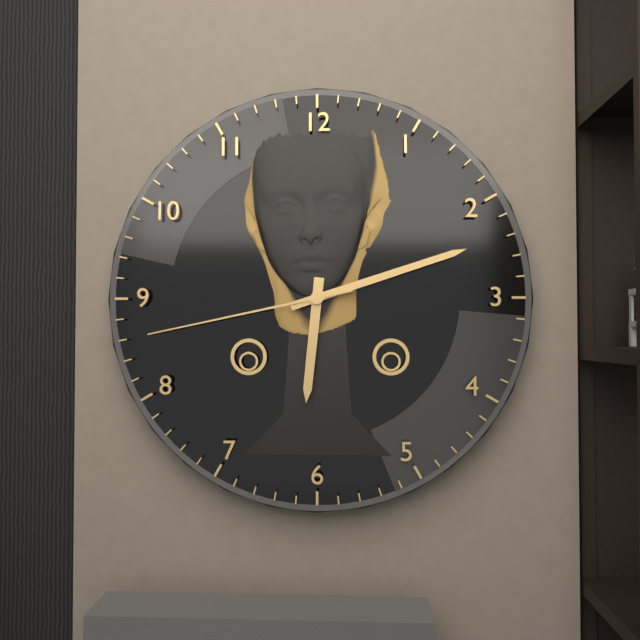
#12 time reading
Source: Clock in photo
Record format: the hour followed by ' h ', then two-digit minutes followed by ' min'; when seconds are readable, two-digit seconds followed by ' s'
6 h 12 min 43 s
